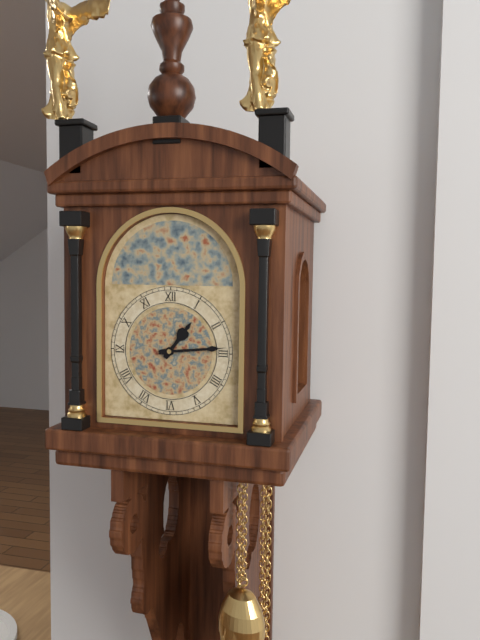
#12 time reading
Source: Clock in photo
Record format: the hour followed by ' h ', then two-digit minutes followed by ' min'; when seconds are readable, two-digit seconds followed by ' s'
1 h 14 min
